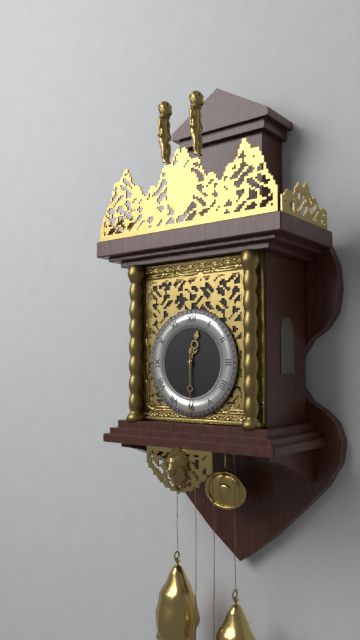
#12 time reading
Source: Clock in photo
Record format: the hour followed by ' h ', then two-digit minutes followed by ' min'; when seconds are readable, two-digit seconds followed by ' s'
12 h 30 min
